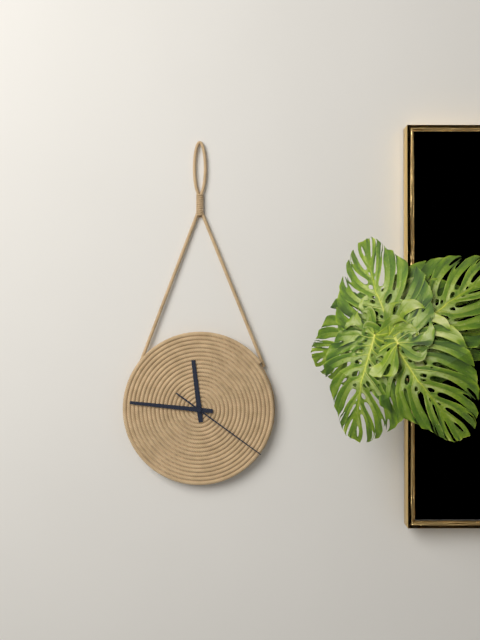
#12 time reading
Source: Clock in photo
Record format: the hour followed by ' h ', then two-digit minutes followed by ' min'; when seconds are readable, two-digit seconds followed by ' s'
11 h 46 min 21 s
